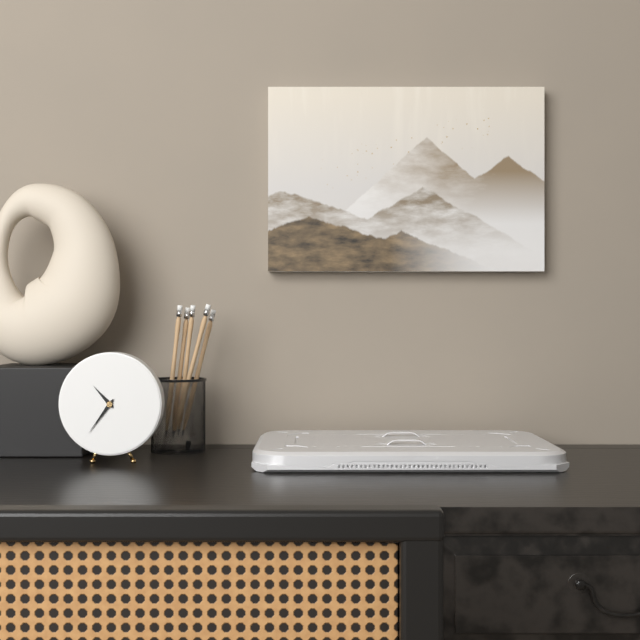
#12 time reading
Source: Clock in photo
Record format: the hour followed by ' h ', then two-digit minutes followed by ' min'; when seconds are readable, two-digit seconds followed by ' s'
10 h 36 min
